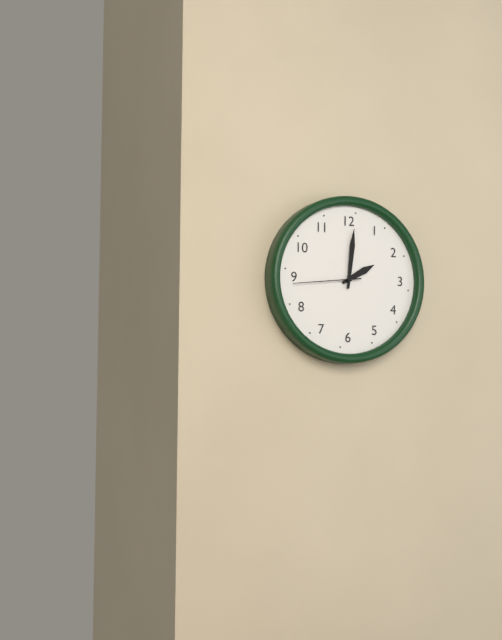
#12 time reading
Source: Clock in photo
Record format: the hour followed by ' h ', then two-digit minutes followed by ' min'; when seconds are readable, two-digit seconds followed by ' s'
2 h 01 min 44 s
